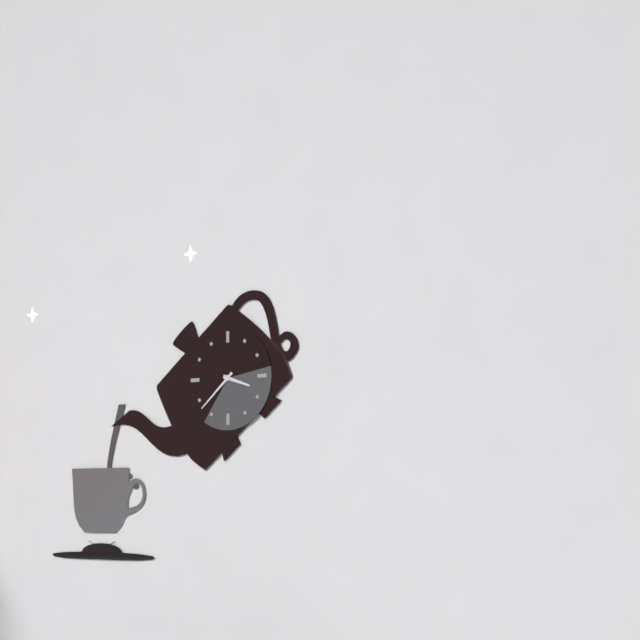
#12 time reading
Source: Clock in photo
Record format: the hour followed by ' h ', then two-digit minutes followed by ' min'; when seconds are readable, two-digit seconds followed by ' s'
3 h 38 min
